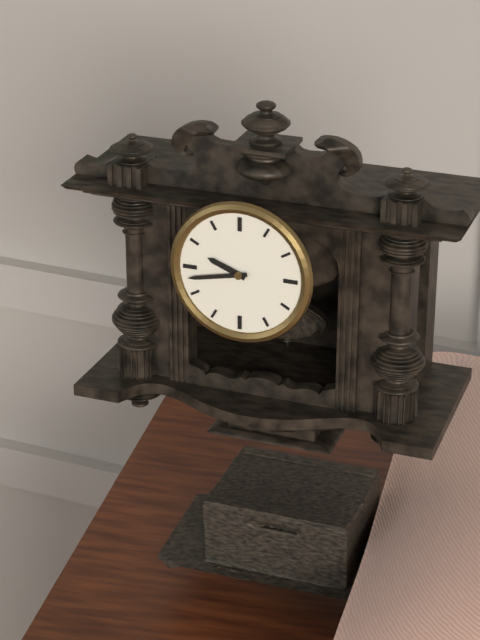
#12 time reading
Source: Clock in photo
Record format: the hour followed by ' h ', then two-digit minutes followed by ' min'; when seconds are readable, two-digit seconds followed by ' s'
9 h 43 min
